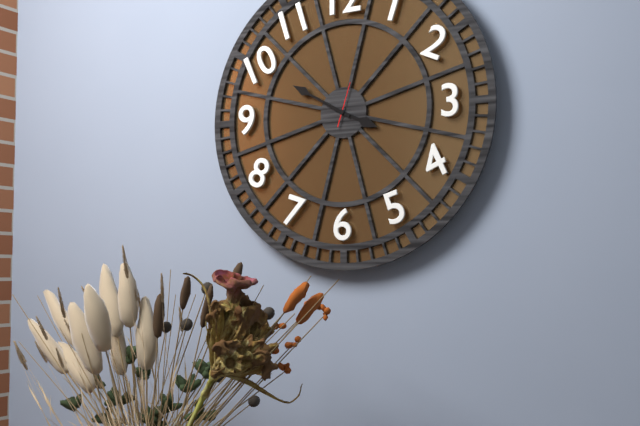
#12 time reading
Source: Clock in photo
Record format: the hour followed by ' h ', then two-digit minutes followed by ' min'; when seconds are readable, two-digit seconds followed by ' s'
3 h 50 min
